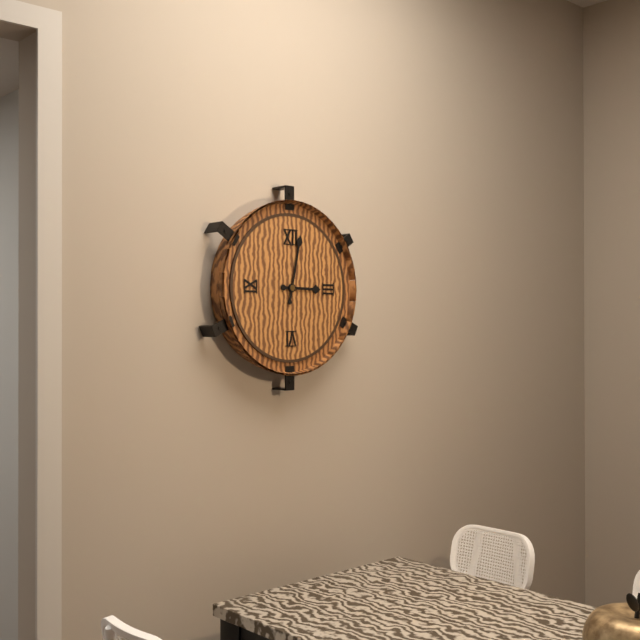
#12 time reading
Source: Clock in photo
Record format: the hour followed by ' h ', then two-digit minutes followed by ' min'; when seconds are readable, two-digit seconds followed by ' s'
3 h 02 min
